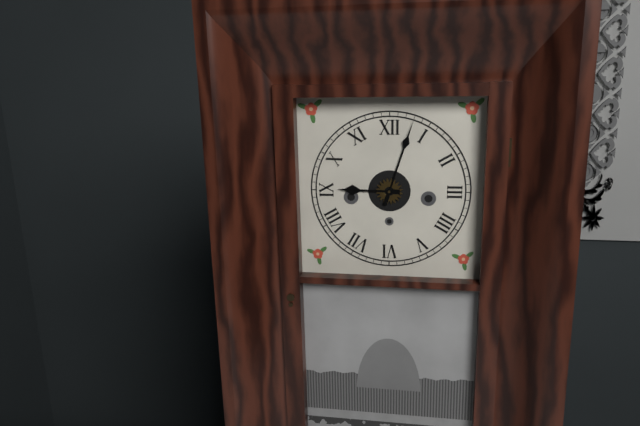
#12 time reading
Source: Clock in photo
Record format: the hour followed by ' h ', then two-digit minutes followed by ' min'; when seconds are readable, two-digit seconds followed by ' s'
9 h 03 min
